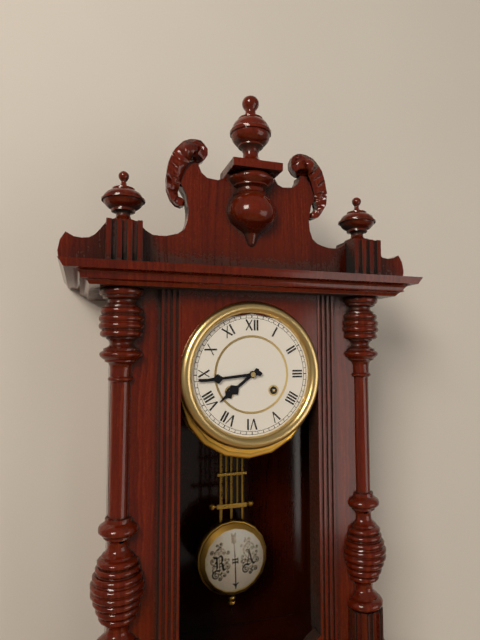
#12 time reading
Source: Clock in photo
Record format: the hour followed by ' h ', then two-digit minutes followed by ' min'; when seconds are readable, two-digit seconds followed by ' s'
7 h 44 min
